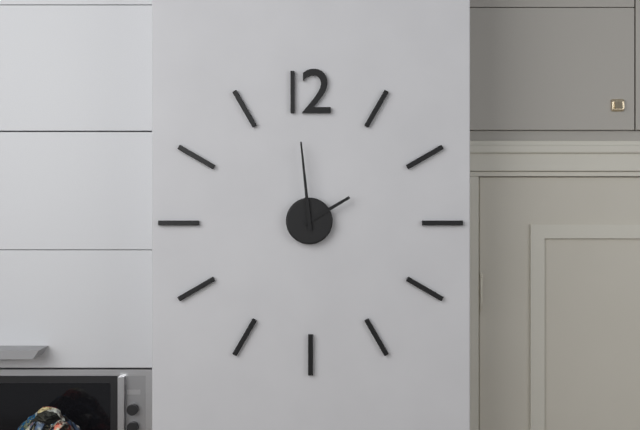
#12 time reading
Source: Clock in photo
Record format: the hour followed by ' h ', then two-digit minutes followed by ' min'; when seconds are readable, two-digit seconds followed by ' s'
1 h 59 min
